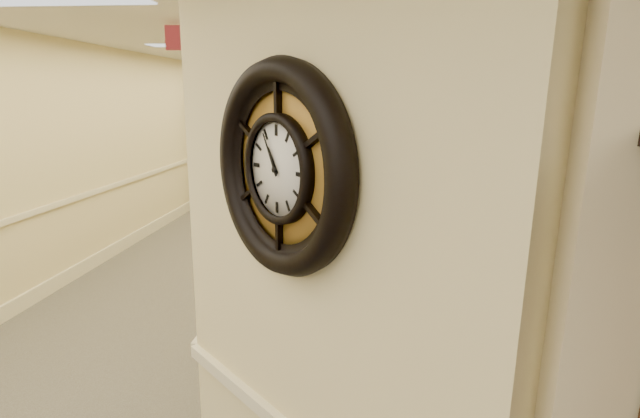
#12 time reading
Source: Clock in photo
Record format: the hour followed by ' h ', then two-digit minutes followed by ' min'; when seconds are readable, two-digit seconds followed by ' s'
10 h 55 min
